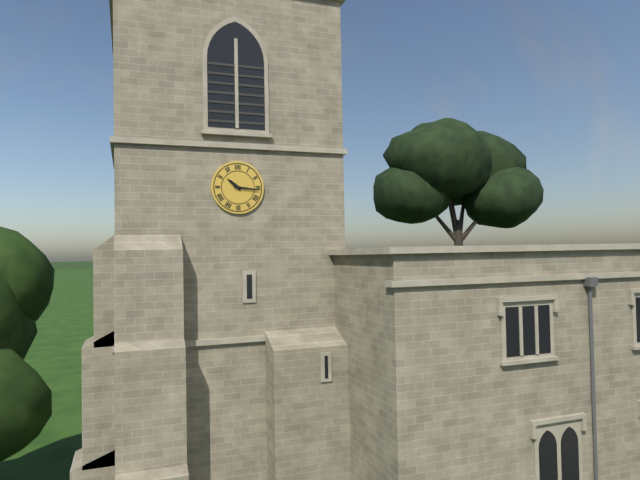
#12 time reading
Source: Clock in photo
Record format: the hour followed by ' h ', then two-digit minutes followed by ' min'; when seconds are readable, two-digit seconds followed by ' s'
10 h 16 min
